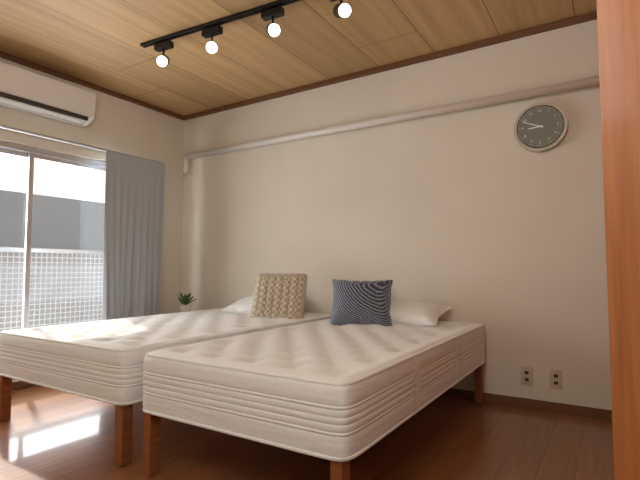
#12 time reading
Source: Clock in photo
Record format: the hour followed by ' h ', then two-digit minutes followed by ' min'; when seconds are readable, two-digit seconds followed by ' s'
8 h 49 min
